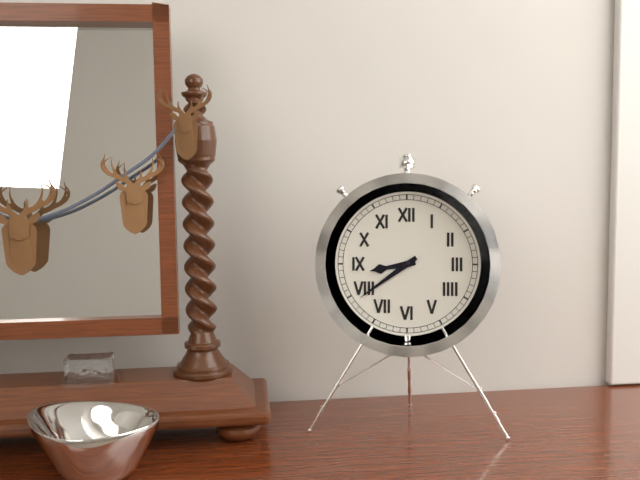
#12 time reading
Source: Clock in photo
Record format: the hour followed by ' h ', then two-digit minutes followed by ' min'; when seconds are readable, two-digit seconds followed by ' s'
8 h 39 min
